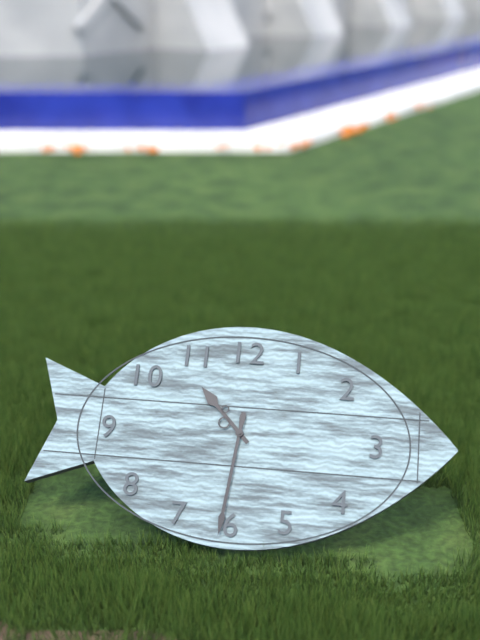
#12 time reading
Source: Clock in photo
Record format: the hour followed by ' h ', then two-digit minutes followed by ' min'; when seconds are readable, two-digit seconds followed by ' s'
10 h 31 min
